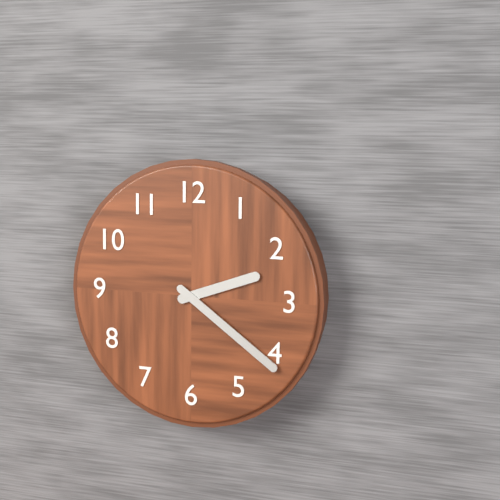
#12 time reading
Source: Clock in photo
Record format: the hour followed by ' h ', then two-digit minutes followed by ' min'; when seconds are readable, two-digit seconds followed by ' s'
2 h 21 min
